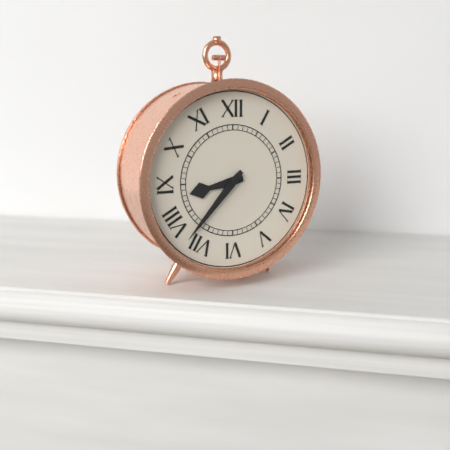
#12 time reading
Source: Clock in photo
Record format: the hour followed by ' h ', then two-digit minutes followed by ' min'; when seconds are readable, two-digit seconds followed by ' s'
8 h 37 min
